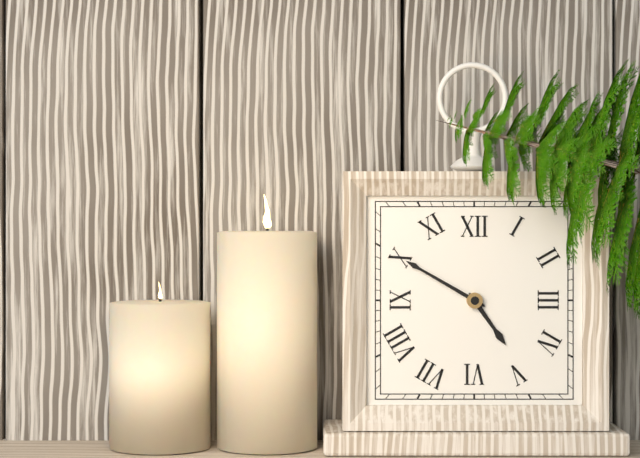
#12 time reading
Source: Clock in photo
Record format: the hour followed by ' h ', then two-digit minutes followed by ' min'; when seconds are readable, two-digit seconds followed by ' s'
4 h 50 min
